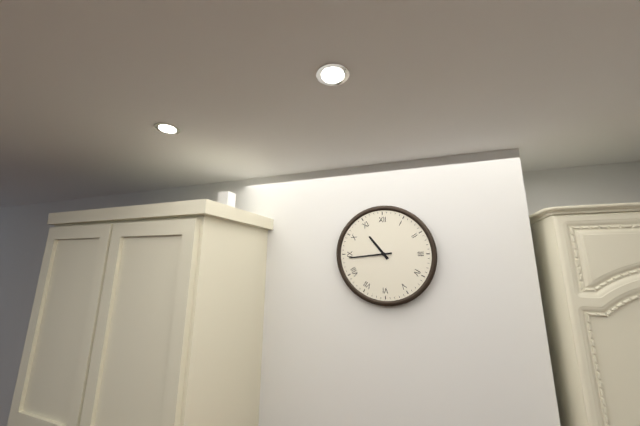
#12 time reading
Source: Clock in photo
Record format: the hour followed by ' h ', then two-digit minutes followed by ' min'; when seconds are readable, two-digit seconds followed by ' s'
10 h 44 min
